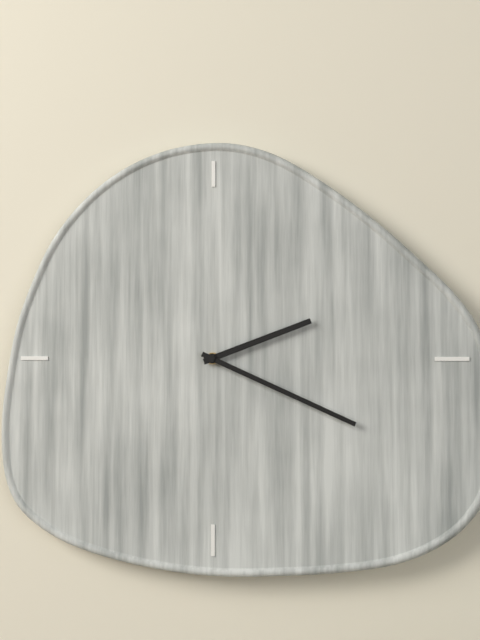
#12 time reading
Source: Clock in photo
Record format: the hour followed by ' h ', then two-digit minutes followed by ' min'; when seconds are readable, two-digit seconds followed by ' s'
2 h 19 min
